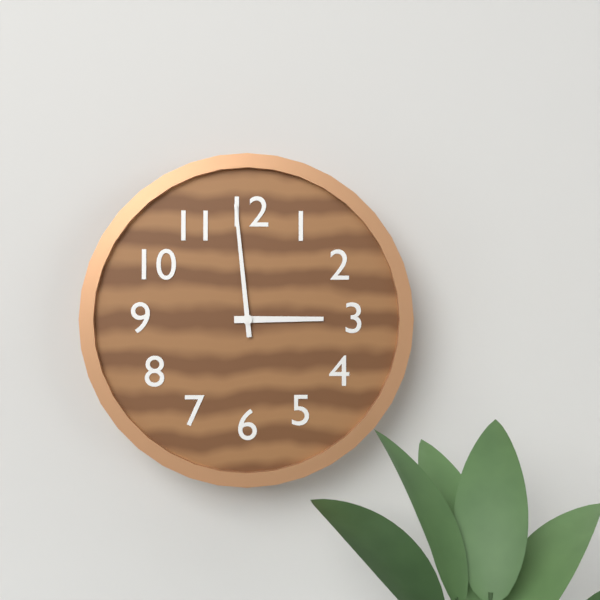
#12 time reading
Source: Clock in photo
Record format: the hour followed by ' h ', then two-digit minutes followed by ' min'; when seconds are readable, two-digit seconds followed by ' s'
2 h 59 min
